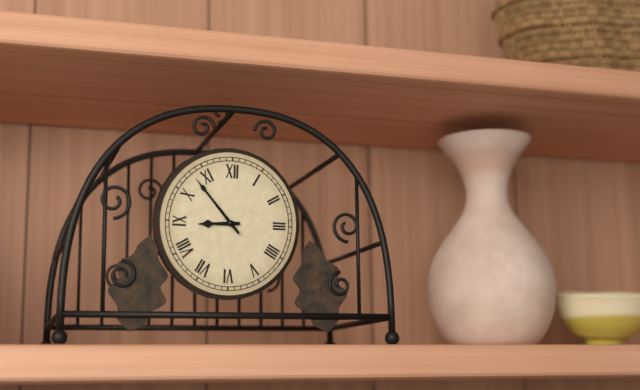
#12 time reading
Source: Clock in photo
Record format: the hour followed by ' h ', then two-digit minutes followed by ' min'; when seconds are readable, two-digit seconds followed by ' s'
8 h 53 min
